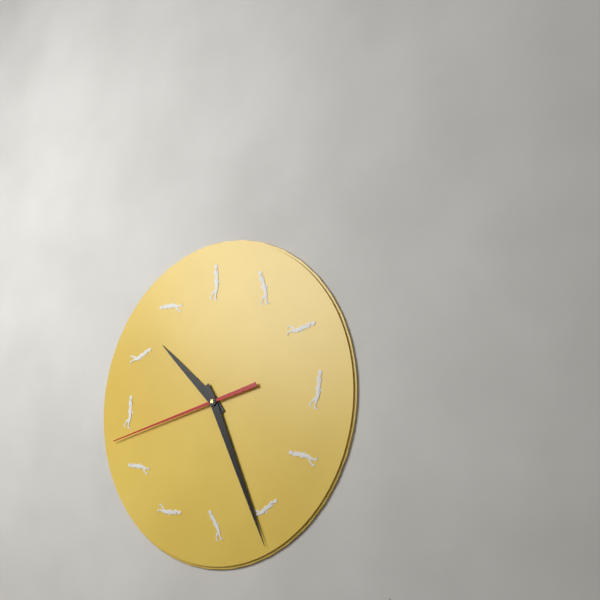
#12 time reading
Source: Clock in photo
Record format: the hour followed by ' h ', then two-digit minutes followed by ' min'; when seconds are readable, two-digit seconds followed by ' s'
10 h 26 min 43 s
